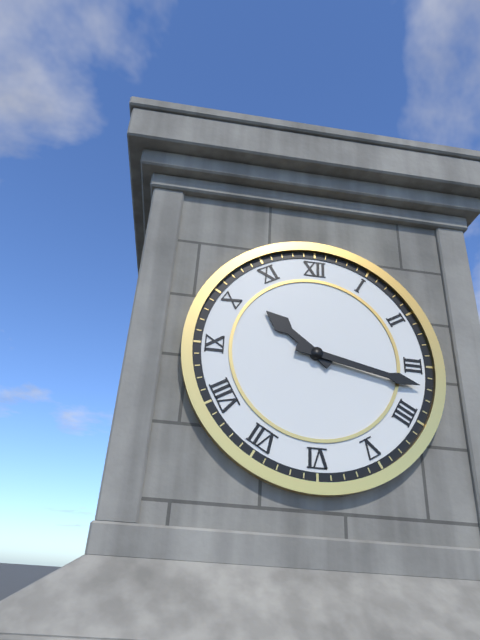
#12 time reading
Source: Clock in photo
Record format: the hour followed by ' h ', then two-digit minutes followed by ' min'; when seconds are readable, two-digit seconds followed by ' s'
10 h 17 min
